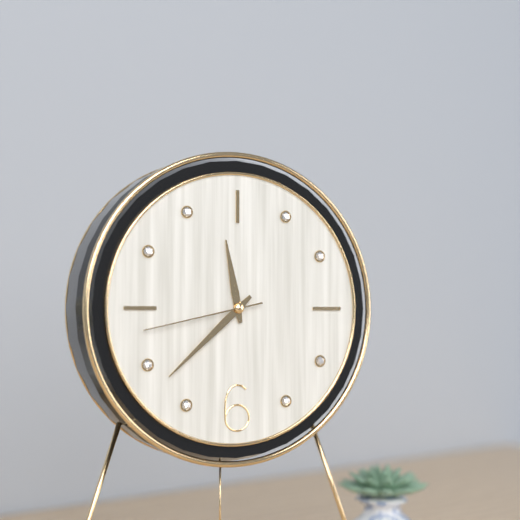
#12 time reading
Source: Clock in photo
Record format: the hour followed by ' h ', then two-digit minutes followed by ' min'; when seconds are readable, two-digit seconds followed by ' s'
11 h 38 min 43 s
